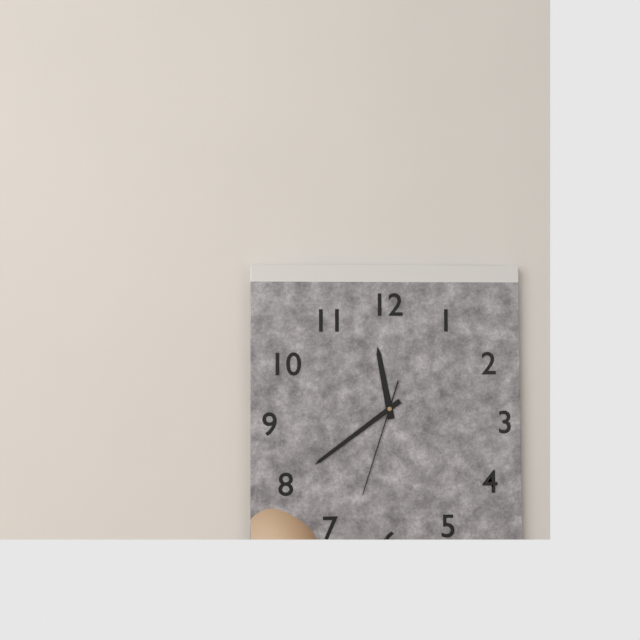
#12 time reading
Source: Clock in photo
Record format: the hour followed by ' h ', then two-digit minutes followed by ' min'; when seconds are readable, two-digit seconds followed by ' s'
11 h 39 min 33 s
